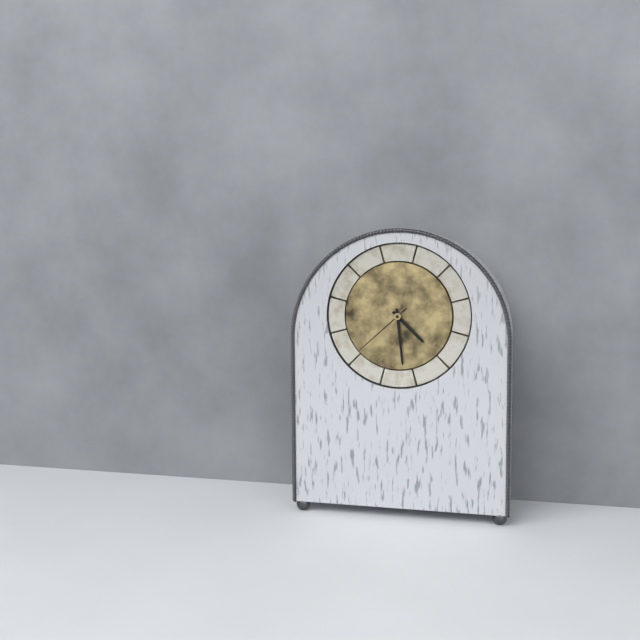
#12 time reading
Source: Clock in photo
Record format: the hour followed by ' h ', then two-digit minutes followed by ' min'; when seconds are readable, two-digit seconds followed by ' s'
4 h 29 min 38 s
